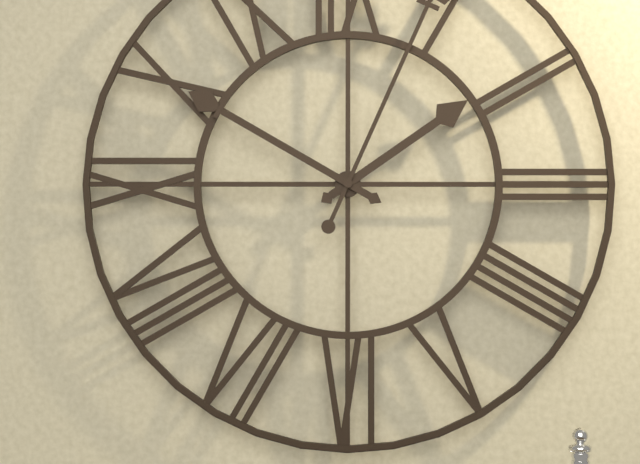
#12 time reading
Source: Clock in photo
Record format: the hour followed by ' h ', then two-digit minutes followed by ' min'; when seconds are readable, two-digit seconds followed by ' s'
1 h 50 min
